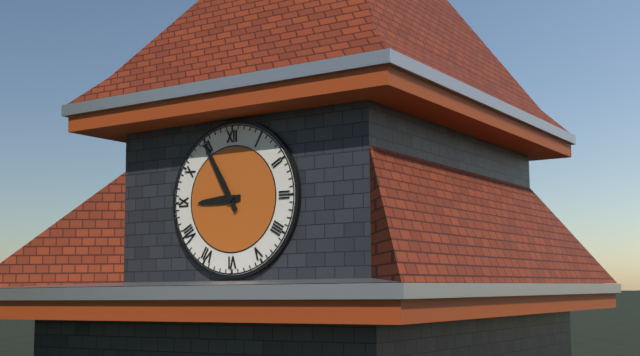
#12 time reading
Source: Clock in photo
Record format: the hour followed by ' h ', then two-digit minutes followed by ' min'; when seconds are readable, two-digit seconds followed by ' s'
8 h 55 min
